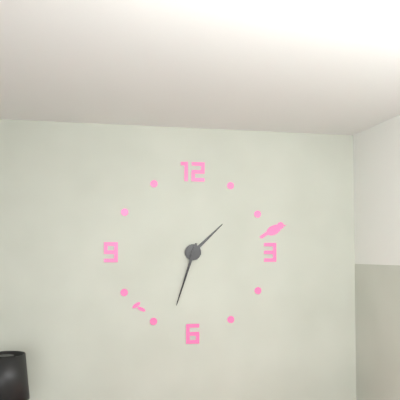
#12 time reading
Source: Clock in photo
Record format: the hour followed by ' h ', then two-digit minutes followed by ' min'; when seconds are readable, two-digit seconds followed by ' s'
1 h 33 min
